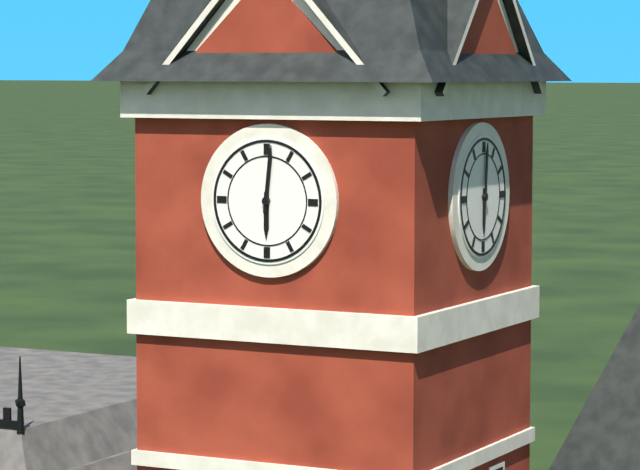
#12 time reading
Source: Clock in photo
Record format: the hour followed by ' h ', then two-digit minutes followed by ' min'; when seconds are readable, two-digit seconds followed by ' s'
6 h 01 min
